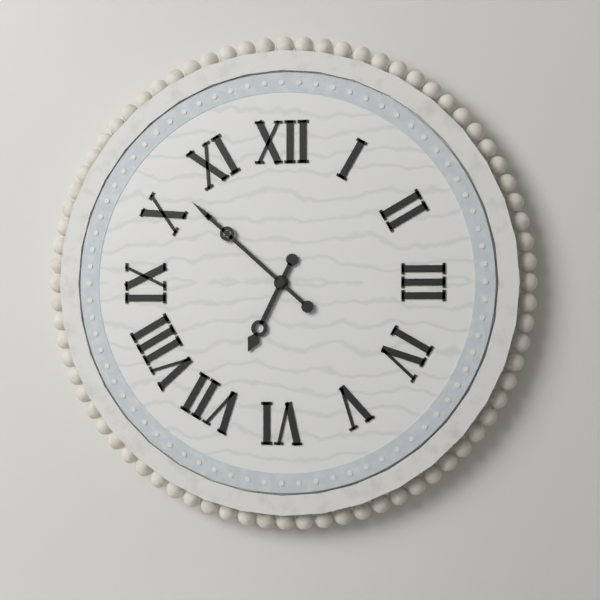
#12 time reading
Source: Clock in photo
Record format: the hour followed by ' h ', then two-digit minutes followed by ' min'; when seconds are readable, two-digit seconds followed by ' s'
6 h 52 min
